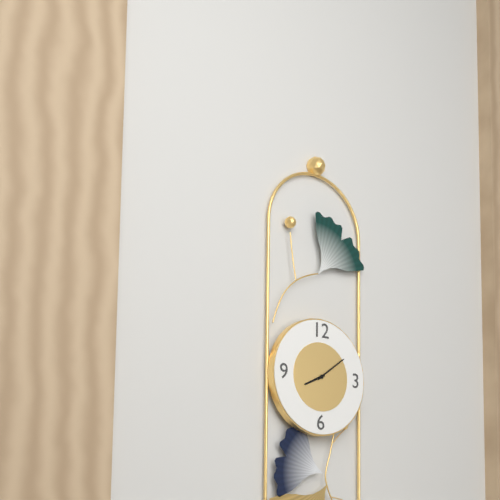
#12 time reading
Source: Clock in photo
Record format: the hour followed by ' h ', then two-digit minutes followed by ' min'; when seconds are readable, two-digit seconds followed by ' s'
8 h 09 min
